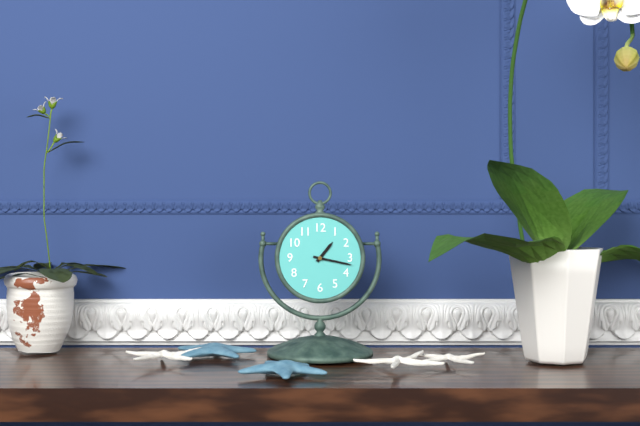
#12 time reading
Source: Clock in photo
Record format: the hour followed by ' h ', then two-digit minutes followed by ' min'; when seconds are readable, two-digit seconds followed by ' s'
1 h 17 min
